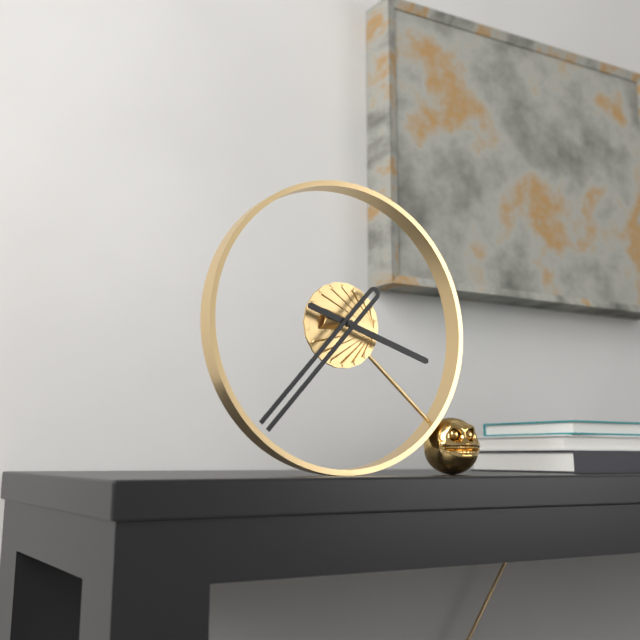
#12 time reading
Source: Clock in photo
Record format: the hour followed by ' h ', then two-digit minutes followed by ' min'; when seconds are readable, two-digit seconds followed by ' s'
3 h 37 min
